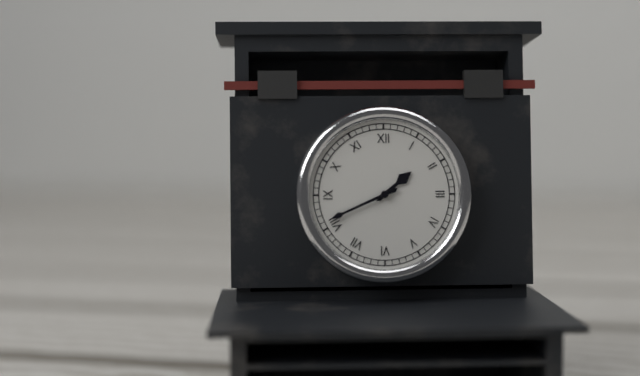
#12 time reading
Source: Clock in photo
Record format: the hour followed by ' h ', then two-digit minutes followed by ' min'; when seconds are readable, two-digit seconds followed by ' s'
1 h 41 min
